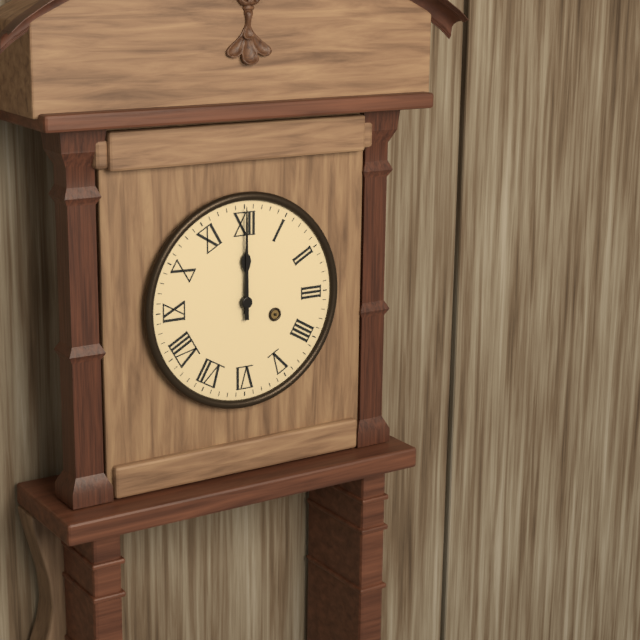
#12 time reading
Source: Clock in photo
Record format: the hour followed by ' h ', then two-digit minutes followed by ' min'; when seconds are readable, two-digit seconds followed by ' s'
12 h 00 min
